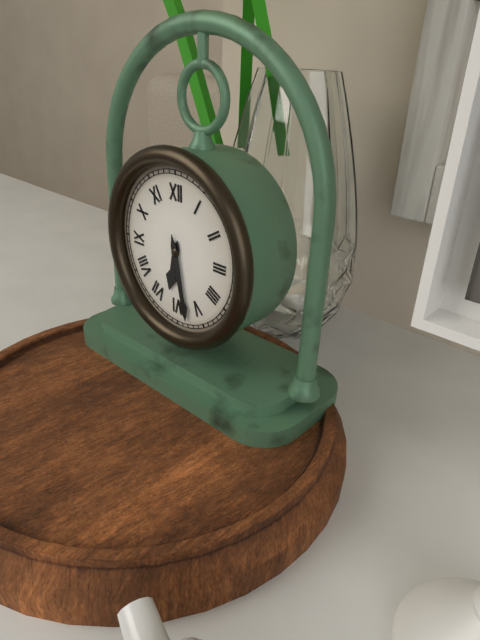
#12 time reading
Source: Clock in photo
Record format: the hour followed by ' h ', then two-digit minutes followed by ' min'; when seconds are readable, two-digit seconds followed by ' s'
6 h 28 min
